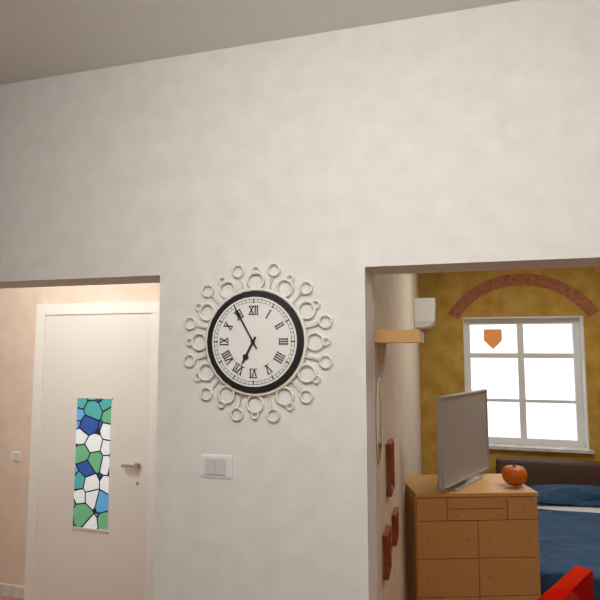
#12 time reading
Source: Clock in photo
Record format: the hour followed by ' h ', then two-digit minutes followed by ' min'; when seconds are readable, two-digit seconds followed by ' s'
6 h 55 min
